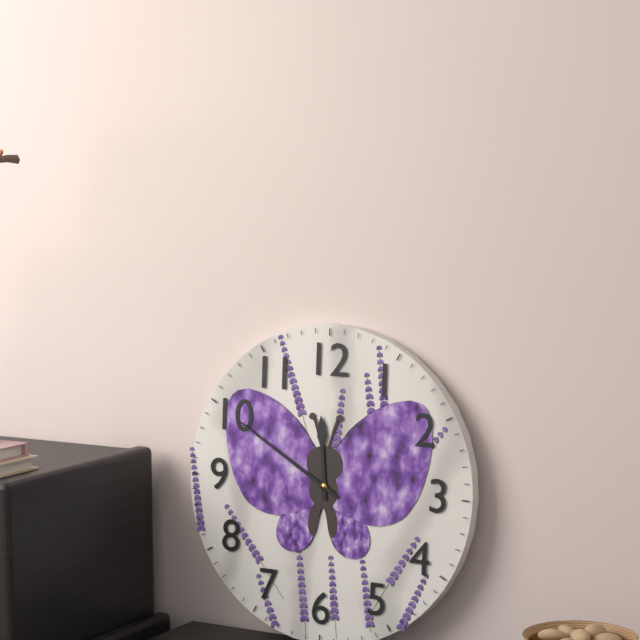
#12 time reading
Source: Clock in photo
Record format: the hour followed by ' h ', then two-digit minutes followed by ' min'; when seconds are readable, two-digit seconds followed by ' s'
11 h 50 min
